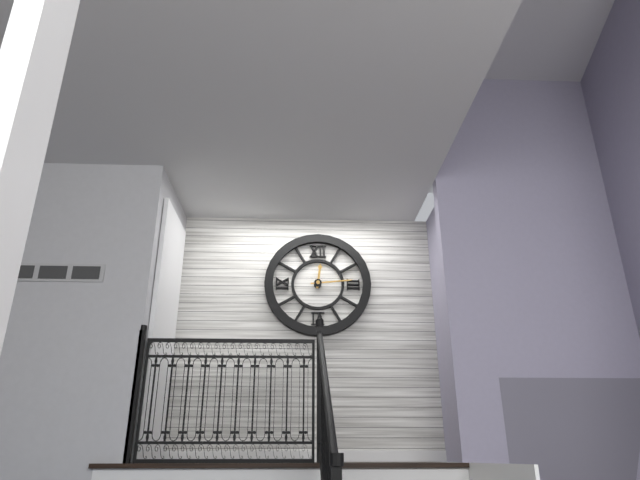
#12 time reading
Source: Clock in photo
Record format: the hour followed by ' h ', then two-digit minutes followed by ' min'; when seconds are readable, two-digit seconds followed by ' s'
12 h 14 min
